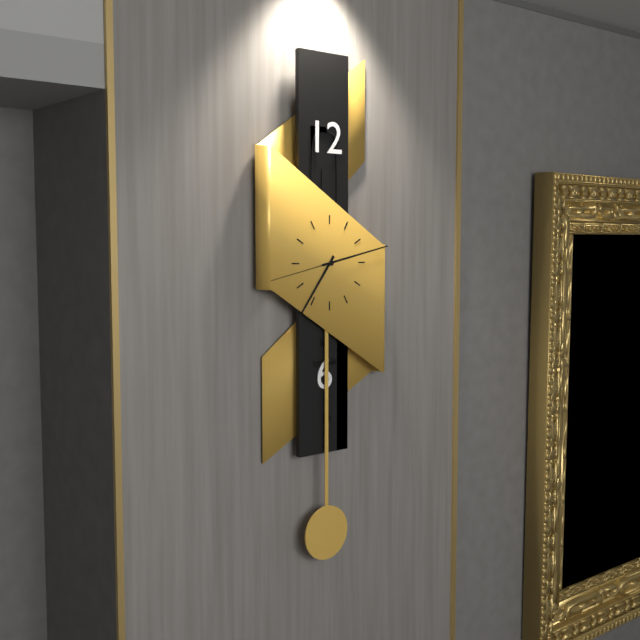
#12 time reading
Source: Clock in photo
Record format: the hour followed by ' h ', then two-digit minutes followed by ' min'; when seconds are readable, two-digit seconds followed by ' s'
7 h 13 min 43 s
